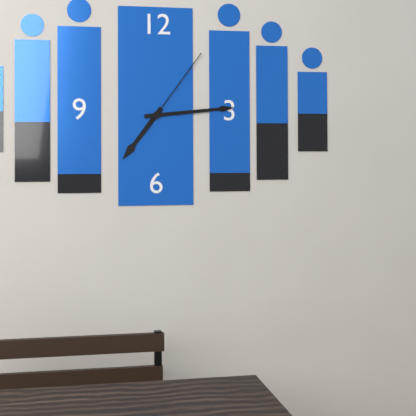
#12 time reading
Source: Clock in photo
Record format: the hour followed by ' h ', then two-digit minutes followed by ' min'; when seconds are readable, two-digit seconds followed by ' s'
7 h 14 min 06 s
